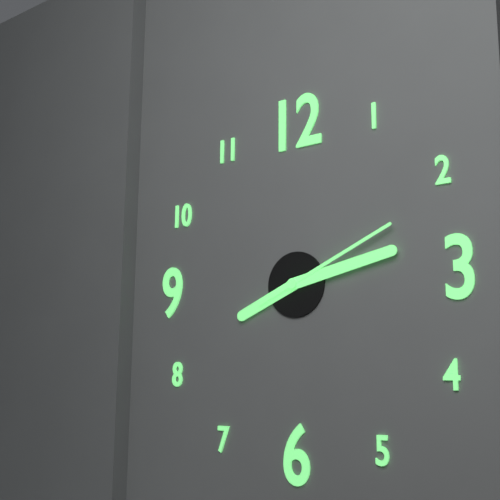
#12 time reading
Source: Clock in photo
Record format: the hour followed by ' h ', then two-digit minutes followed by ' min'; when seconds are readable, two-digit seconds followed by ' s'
8 h 13 min 11 s
